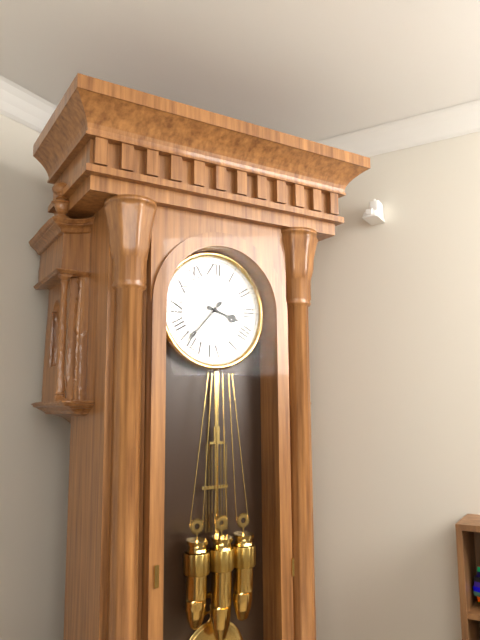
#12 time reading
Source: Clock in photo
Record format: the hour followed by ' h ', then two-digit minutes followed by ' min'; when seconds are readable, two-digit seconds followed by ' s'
3 h 37 min
